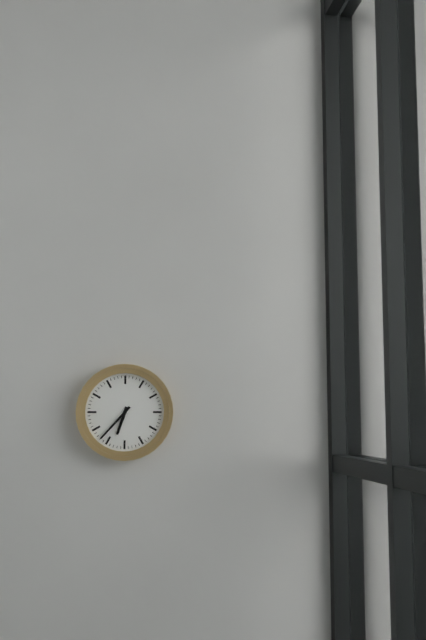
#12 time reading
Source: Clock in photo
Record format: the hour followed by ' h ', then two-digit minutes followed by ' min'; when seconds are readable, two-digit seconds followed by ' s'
6 h 37 min
